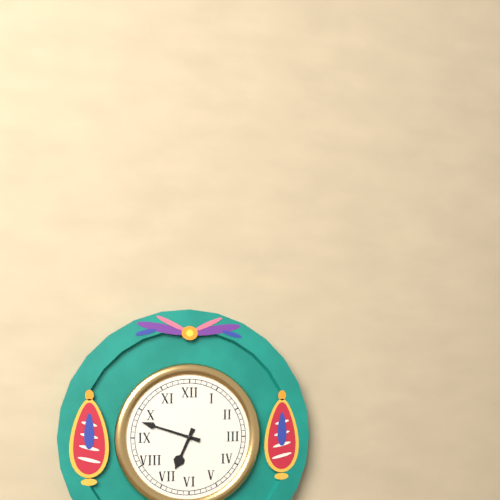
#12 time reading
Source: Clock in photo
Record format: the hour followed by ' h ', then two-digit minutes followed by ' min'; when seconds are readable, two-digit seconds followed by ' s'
6 h 48 min
